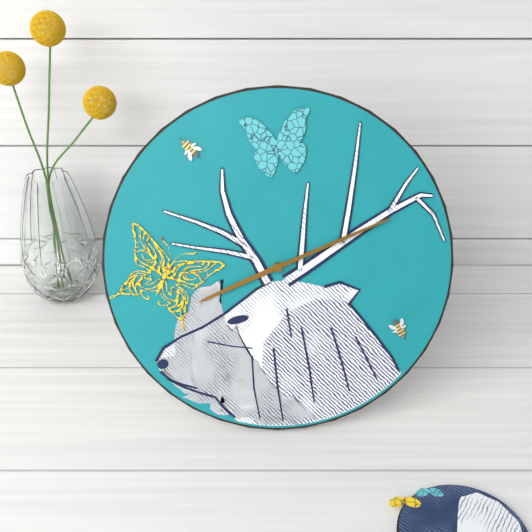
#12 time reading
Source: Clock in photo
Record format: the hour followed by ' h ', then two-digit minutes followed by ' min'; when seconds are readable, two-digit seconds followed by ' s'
8 h 11 min
